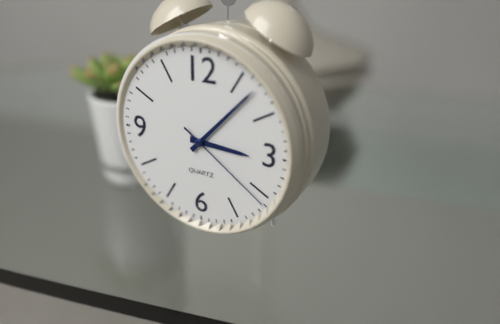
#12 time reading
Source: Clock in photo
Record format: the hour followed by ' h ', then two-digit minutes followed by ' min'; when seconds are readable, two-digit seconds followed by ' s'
3 h 07 min 21 s
